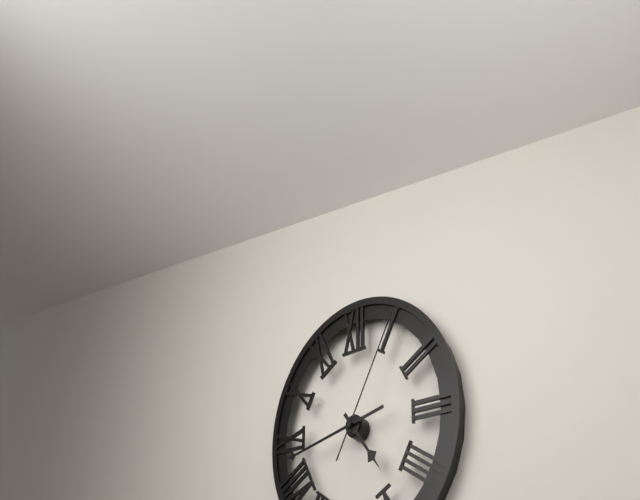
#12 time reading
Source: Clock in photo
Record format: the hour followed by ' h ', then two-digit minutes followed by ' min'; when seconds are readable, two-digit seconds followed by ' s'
4 h 43 min 05 s
